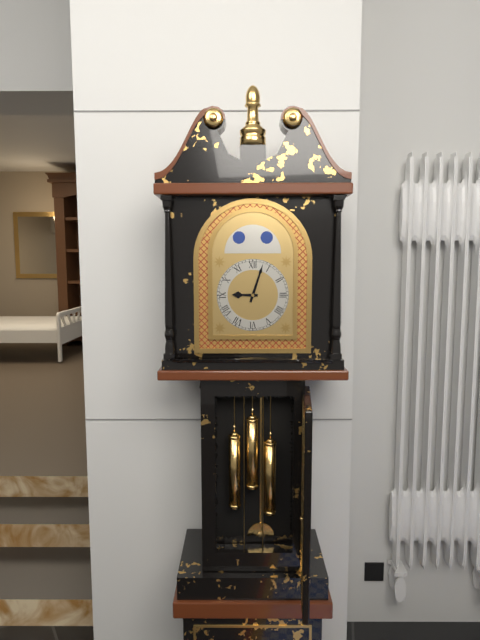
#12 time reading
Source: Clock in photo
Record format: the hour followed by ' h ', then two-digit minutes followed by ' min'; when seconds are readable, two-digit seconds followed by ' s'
9 h 03 min
